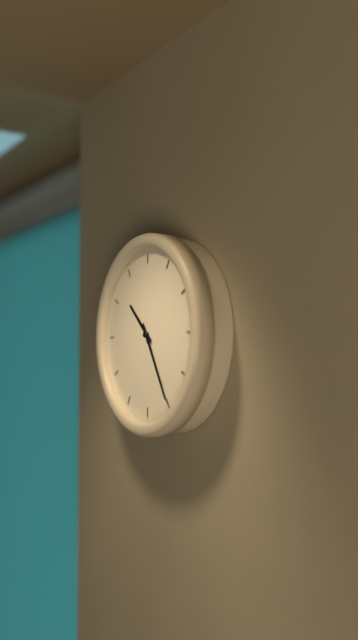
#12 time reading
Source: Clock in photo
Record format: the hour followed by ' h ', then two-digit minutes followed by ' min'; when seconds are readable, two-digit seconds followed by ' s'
10 h 25 min
